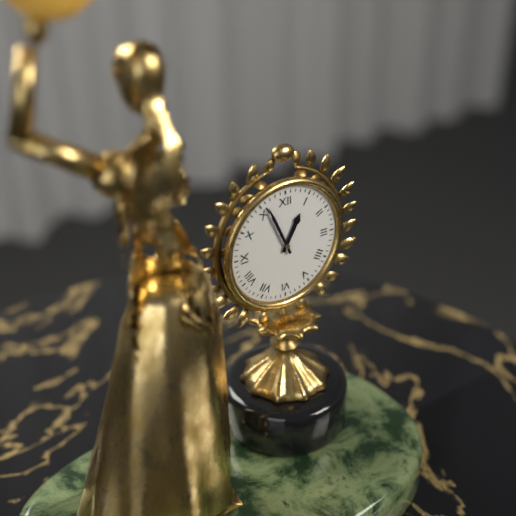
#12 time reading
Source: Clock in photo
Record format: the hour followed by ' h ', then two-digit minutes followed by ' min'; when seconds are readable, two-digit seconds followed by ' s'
12 h 56 min
